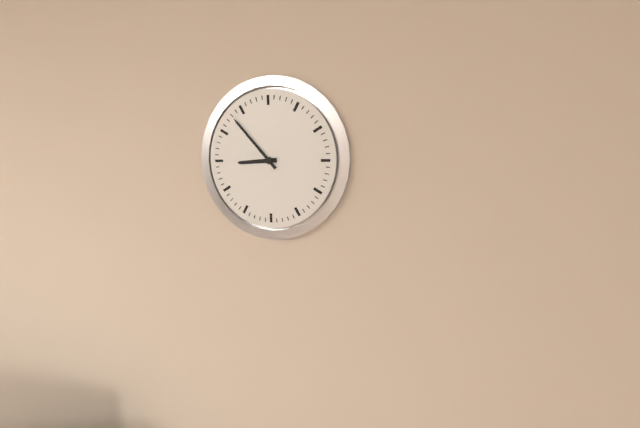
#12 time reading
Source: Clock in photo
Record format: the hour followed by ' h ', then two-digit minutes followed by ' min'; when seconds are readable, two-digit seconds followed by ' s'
8 h 53 min
